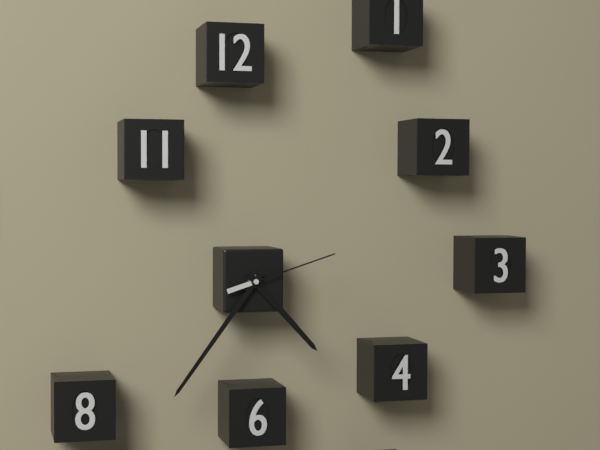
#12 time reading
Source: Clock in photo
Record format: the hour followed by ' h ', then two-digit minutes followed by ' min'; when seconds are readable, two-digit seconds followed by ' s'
4 h 36 min 12 s
